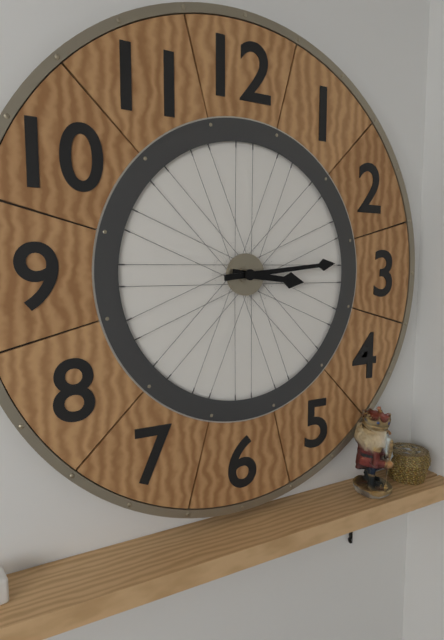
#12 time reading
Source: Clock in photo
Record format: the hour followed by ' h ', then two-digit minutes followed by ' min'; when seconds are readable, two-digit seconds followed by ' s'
3 h 14 min
